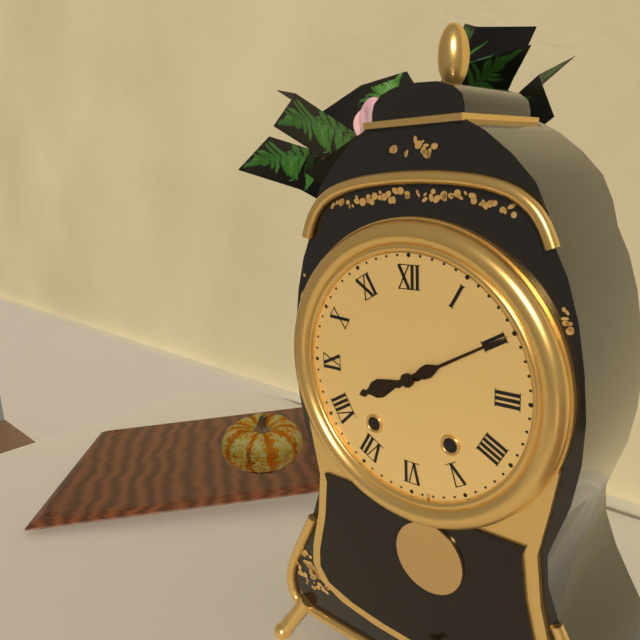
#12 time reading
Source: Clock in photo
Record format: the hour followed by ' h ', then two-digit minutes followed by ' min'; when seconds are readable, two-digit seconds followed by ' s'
8 h 10 min
